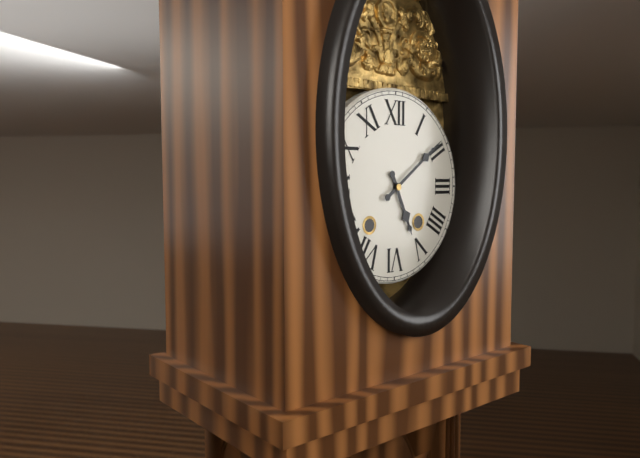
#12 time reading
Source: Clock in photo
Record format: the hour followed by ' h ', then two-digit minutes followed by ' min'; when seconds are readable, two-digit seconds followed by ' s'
5 h 09 min
